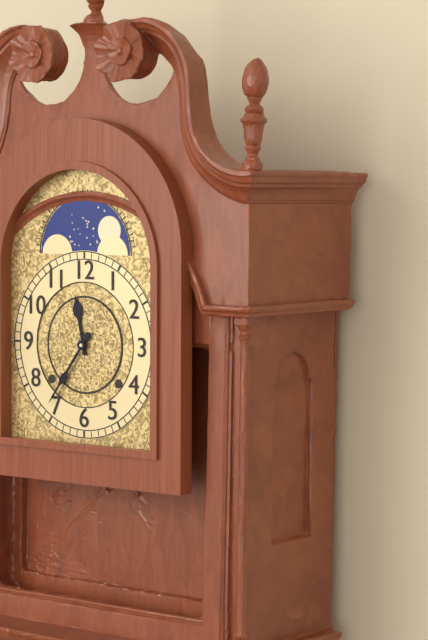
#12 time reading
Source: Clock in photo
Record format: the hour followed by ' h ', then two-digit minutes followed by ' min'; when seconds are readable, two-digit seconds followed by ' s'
11 h 36 min
